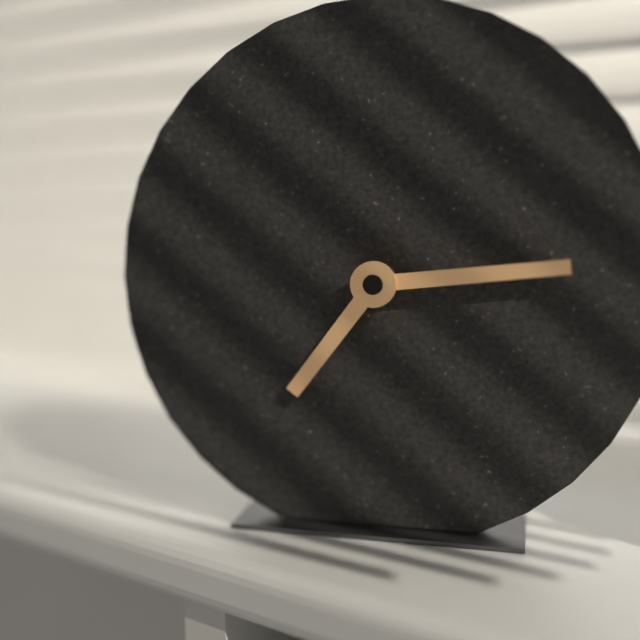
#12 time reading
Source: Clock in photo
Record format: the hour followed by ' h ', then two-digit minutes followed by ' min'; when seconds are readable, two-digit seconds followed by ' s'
7 h 14 min
